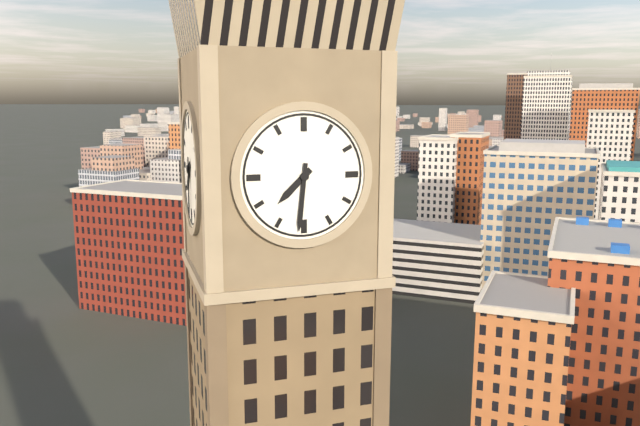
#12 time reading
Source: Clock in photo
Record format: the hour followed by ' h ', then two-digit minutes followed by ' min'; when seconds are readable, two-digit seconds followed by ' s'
7 h 31 min
